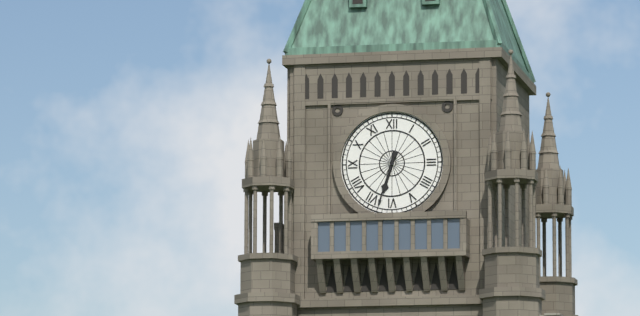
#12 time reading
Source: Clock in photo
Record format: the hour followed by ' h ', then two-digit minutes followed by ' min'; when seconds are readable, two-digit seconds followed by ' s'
6 h 33 min
